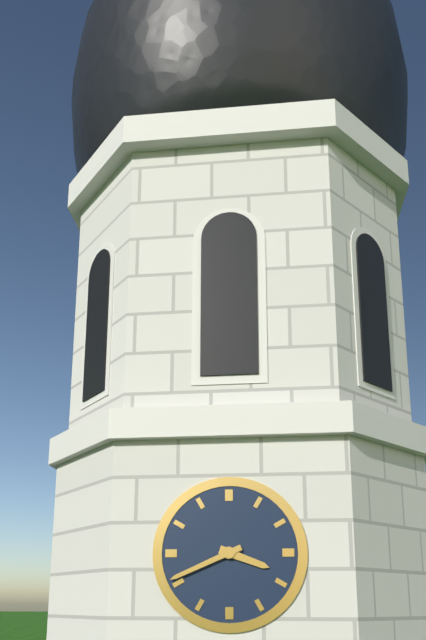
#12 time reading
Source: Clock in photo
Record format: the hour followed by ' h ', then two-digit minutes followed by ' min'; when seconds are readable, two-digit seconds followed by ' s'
3 h 41 min
